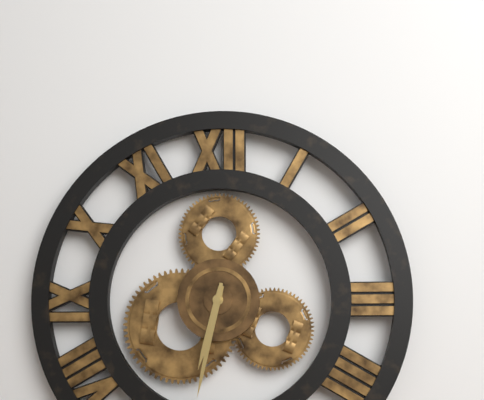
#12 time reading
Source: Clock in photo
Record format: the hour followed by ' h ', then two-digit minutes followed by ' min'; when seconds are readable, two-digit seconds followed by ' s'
6 h 32 min
